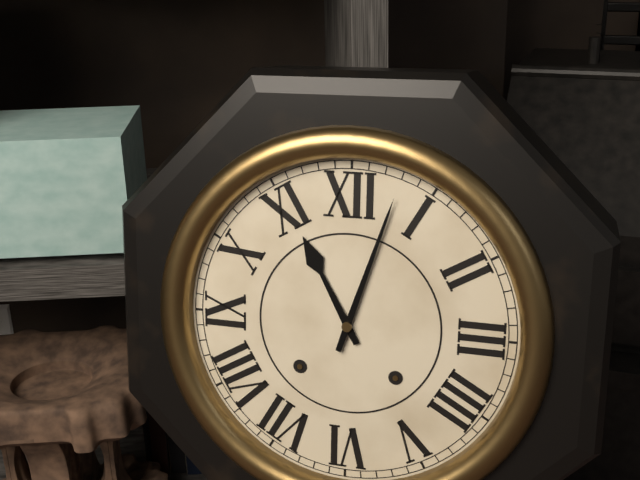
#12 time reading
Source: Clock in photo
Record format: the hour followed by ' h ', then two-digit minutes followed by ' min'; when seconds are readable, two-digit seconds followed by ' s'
11 h 03 min
